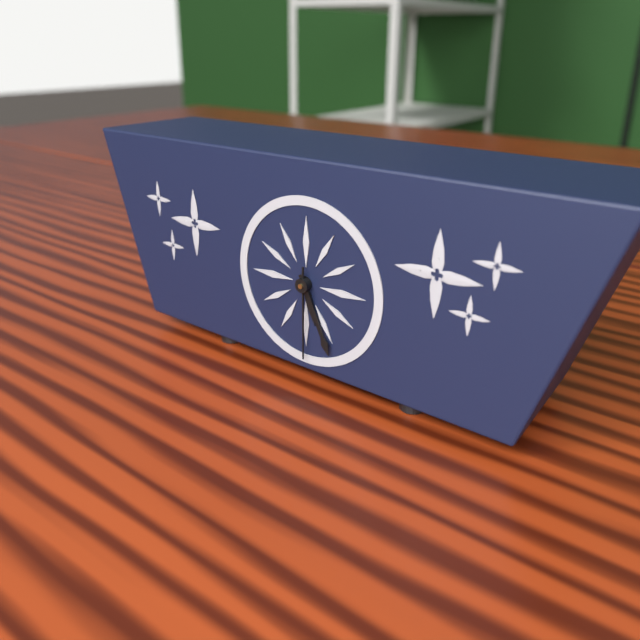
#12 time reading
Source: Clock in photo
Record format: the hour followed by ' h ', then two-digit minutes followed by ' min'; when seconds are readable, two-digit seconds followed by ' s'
5 h 26 min 30 s
